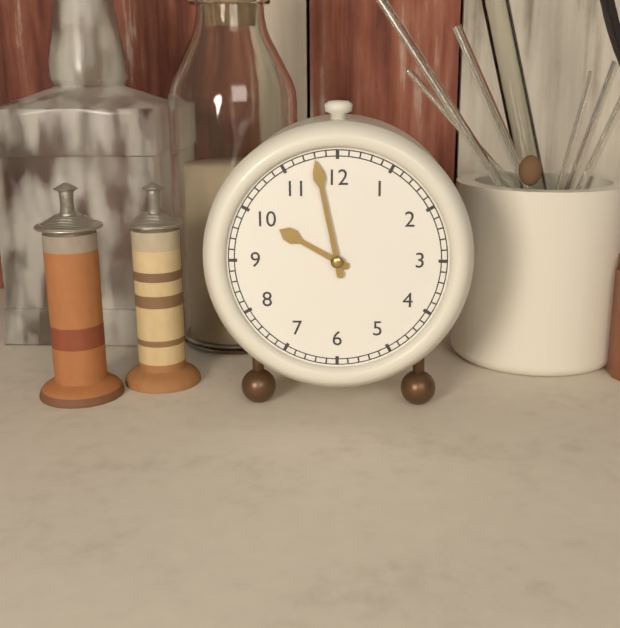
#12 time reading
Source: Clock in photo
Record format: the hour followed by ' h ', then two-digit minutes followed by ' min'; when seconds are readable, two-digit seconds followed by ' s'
9 h 58 min
